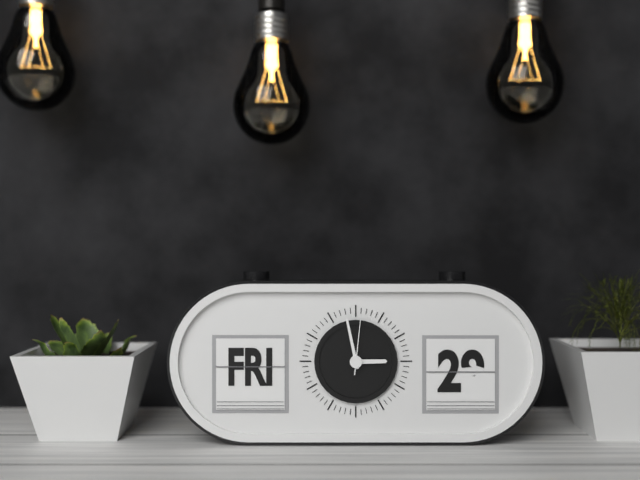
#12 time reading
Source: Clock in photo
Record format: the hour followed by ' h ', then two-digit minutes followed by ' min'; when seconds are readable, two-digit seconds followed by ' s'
2 h 58 min 01 s
